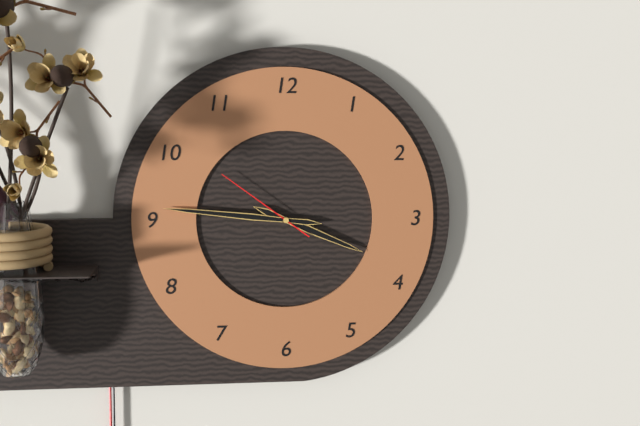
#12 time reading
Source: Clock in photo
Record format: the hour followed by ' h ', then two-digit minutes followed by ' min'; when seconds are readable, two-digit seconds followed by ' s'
3 h 46 min 51 s
